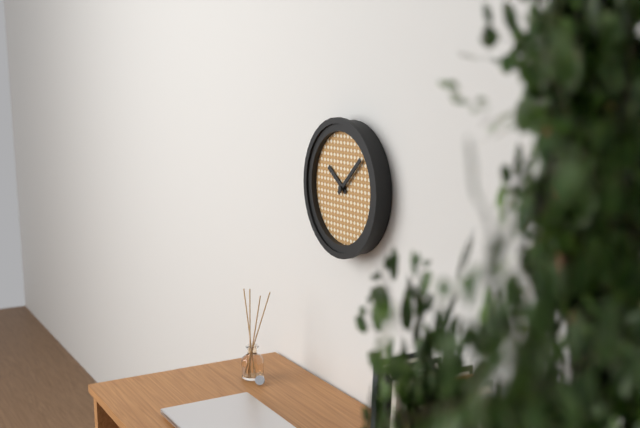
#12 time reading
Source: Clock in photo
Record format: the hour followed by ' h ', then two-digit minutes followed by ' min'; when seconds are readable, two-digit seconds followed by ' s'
10 h 08 min
